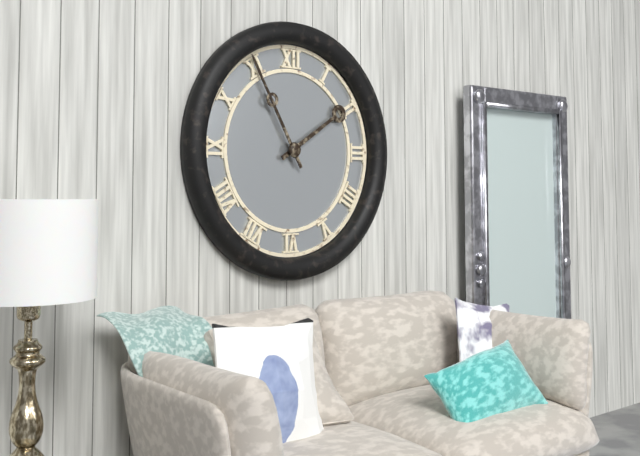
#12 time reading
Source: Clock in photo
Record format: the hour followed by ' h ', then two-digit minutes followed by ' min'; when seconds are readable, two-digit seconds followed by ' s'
1 h 55 min
